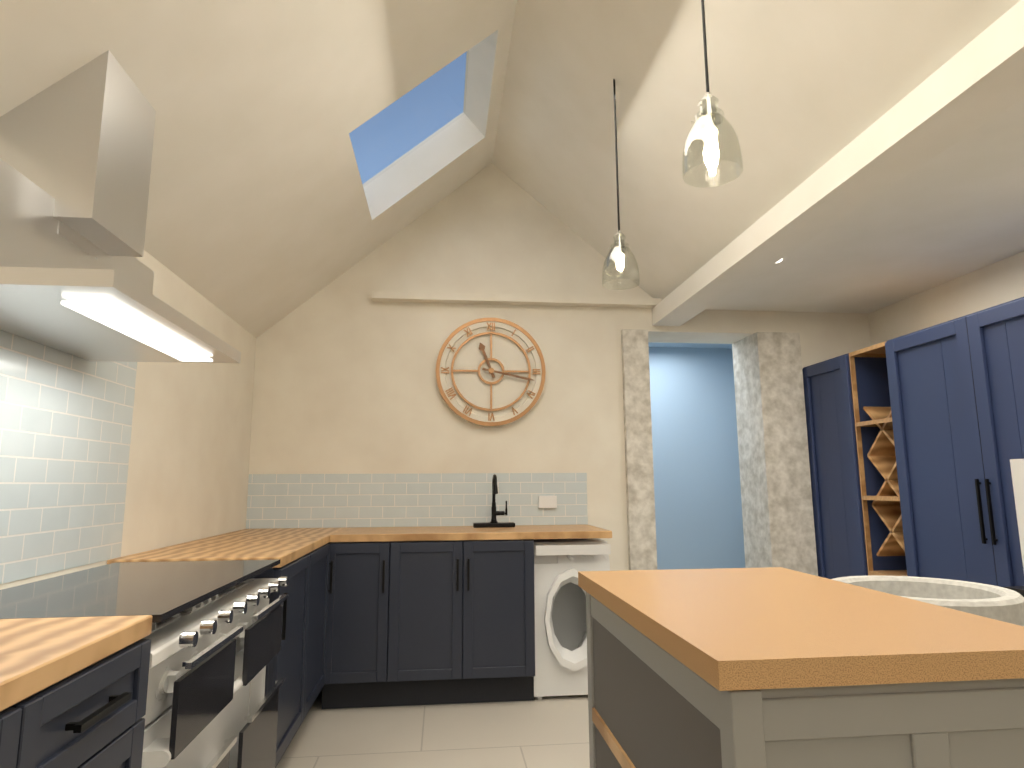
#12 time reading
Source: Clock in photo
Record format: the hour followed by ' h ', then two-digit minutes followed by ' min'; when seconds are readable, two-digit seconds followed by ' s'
11 h 17 min
